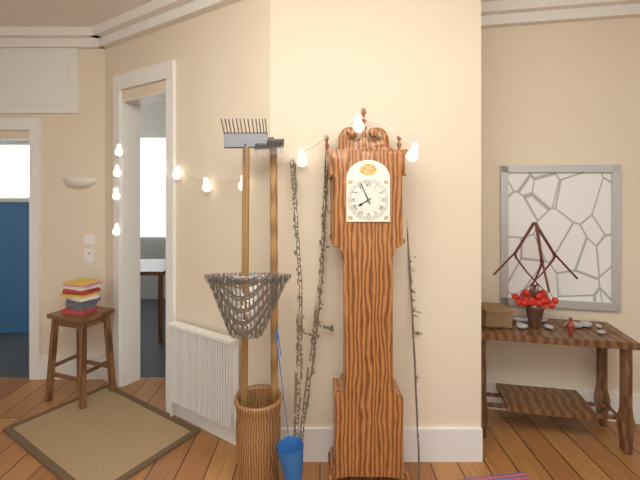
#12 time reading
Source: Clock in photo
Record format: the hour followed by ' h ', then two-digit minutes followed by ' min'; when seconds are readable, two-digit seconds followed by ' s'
7 h 56 min
